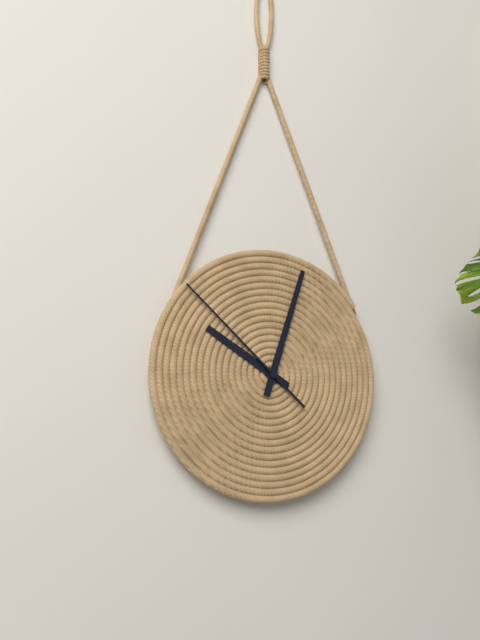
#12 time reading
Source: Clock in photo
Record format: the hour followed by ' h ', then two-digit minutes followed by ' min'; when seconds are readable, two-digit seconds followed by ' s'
10 h 03 min 52 s
